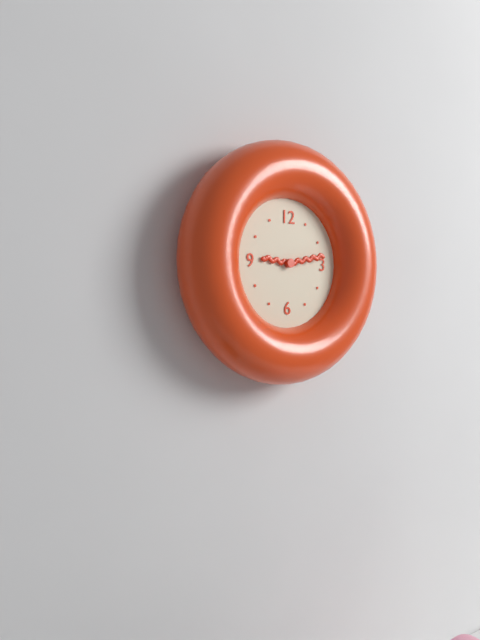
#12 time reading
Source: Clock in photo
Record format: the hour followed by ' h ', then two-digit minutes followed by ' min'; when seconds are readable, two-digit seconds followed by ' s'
9 h 13 min
